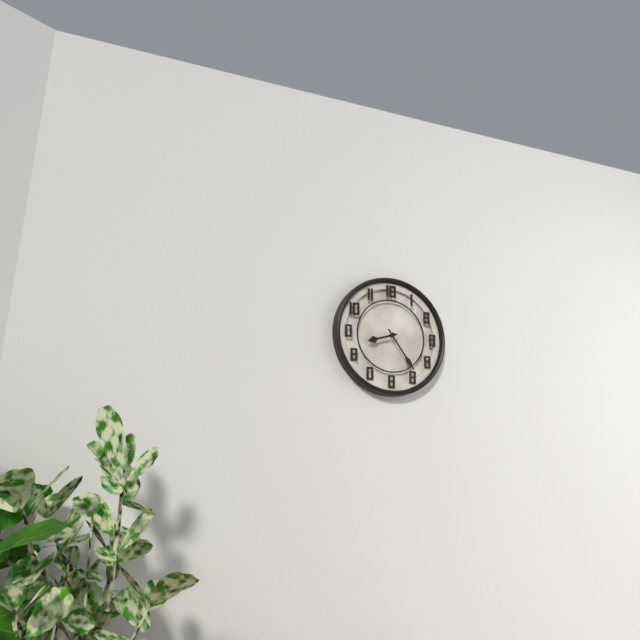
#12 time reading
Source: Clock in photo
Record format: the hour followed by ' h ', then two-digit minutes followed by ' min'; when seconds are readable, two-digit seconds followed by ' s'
8 h 24 min
